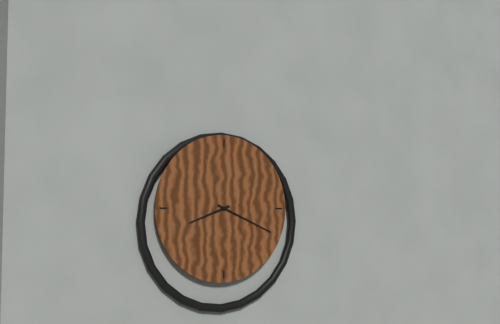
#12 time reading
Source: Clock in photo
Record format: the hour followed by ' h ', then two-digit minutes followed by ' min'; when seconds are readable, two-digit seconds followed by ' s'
8 h 19 min
